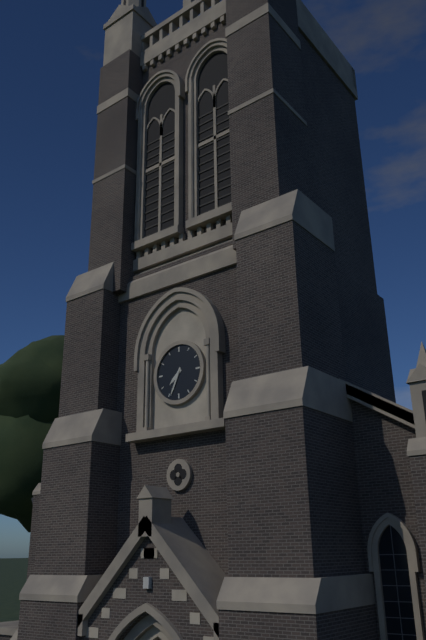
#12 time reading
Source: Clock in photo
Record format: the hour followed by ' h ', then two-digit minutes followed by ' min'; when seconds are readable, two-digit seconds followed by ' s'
7 h 34 min
